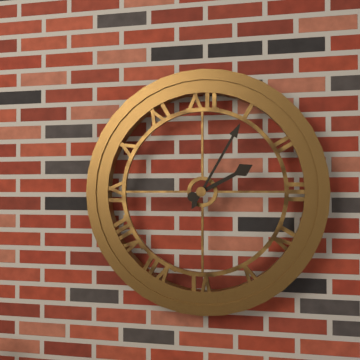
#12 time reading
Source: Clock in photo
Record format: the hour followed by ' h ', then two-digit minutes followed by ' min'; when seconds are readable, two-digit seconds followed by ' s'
2 h 05 min
